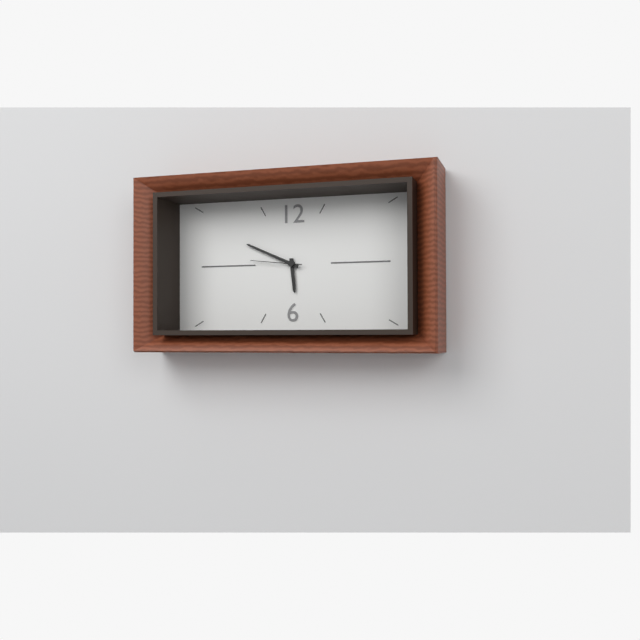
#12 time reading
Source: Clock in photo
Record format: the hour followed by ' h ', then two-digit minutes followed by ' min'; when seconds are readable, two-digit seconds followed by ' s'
5 h 49 min 46 s
